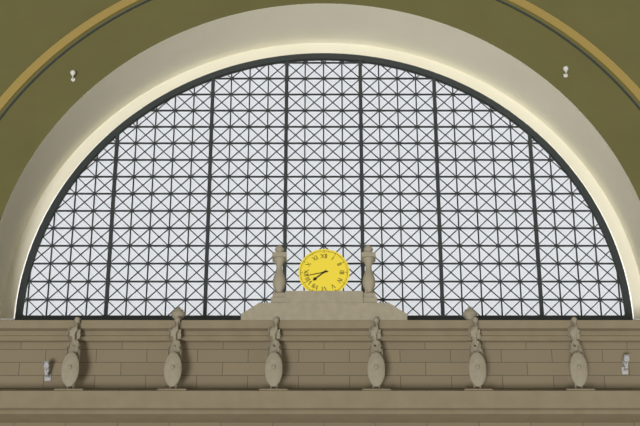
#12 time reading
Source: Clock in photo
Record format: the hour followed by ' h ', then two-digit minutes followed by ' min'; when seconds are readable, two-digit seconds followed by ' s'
7 h 43 min
